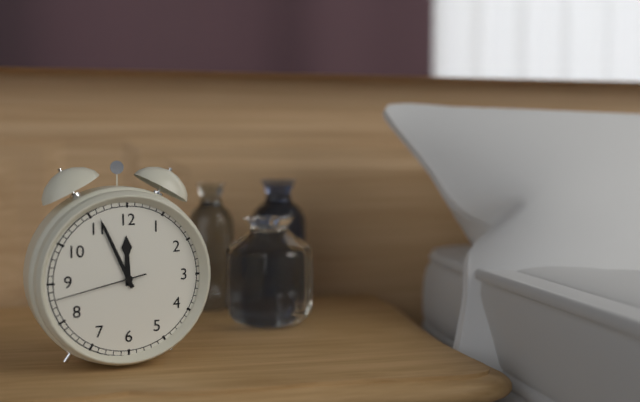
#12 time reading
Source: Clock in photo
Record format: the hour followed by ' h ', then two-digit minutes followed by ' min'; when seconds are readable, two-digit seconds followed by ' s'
11 h 56 min 43 s
